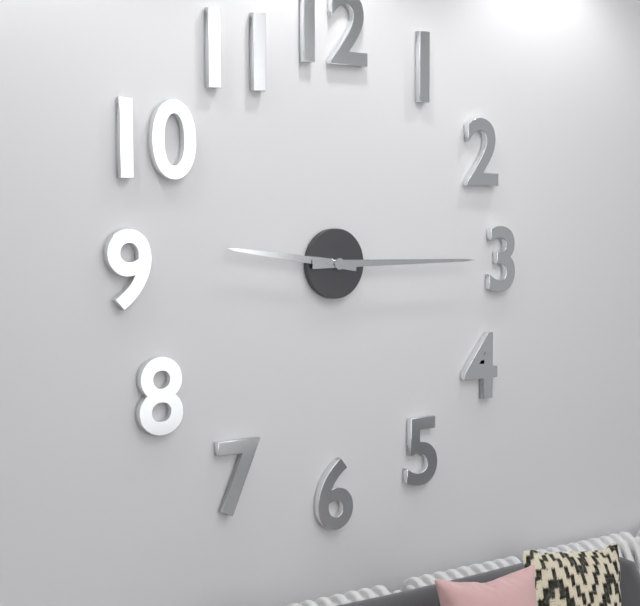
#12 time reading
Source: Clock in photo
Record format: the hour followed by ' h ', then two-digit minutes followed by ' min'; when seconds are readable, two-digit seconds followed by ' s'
9 h 15 min
